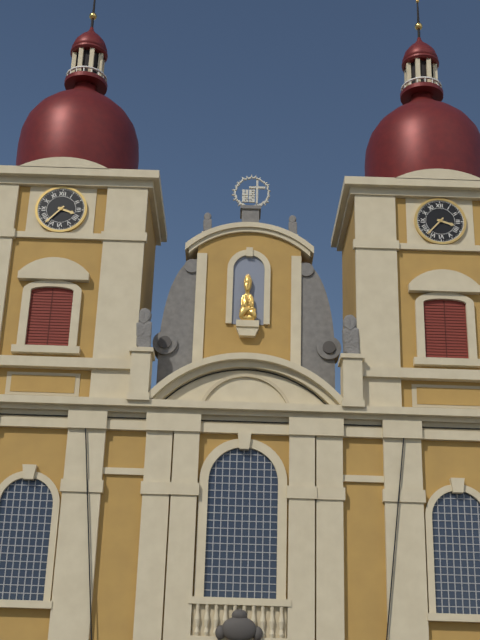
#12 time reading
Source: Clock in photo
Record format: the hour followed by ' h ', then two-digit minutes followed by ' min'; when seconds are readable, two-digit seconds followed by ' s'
3 h 37 min
